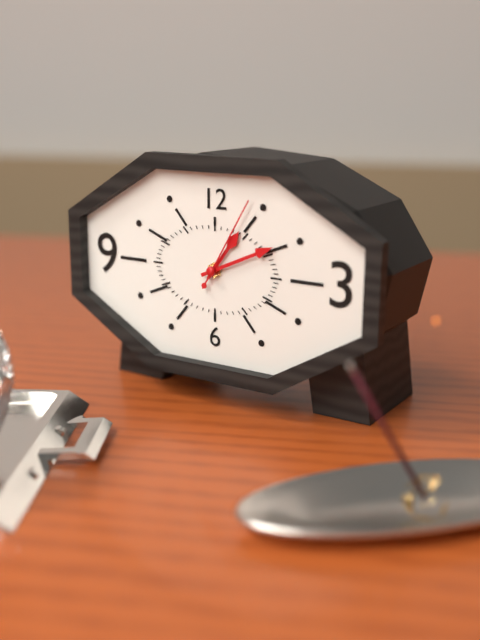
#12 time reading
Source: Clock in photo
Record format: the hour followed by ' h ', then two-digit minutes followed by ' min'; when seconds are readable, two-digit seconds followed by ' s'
1 h 11 min 05 s
